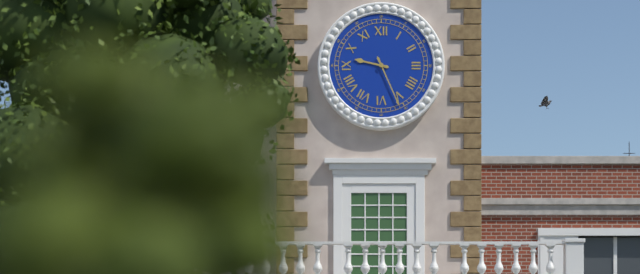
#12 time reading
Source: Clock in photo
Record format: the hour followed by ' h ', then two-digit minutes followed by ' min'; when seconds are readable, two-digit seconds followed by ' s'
9 h 26 min
